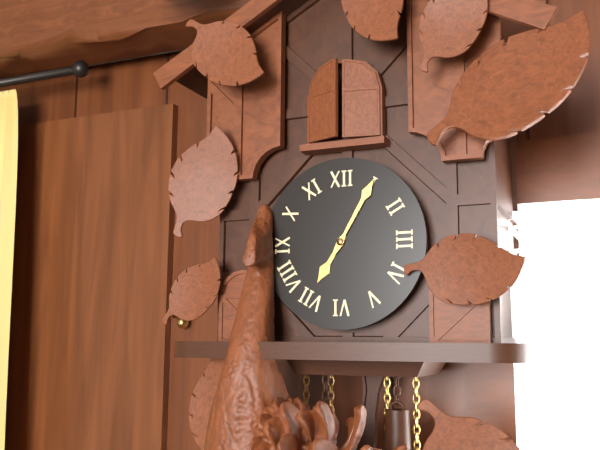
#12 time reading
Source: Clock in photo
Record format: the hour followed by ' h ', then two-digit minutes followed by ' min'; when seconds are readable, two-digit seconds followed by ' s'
7 h 05 min
